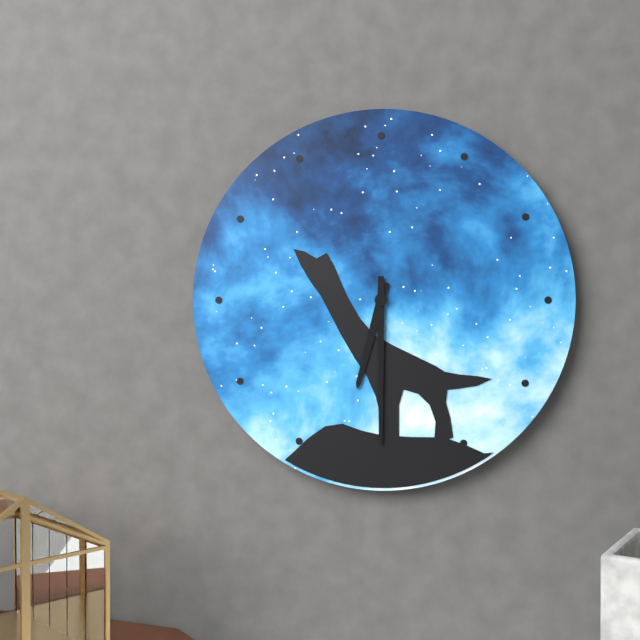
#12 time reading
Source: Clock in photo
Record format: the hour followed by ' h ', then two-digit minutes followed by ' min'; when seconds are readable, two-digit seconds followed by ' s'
6 h 30 min
